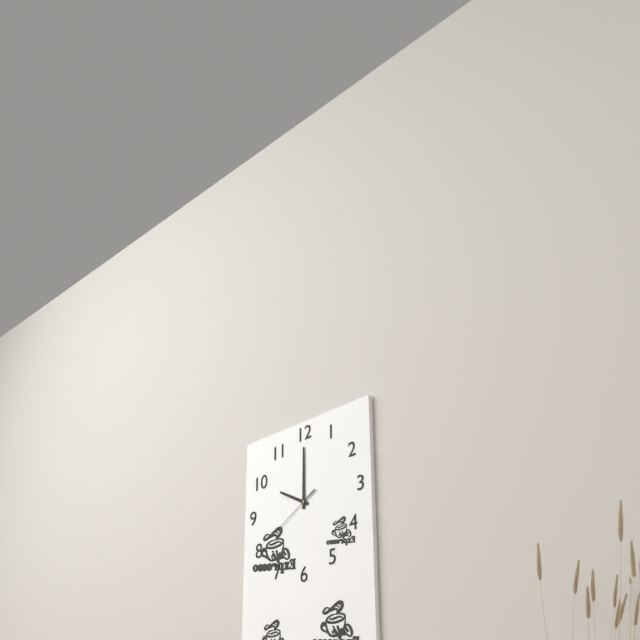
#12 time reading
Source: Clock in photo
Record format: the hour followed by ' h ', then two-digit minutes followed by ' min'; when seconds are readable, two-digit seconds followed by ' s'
10 h 00 min 40 s
